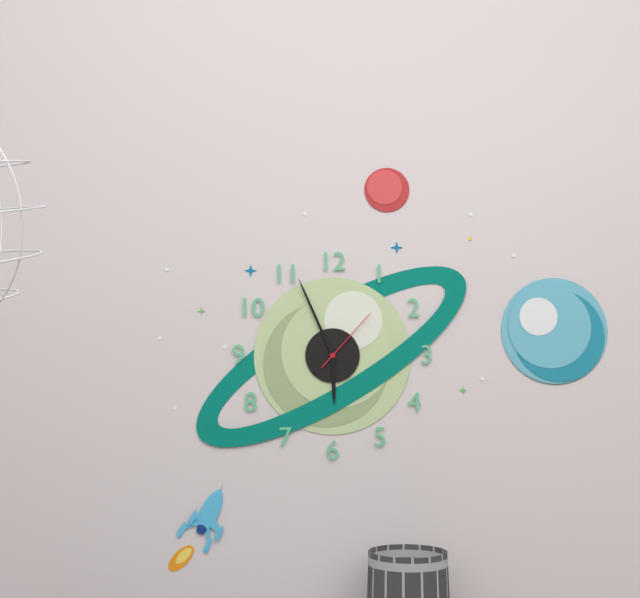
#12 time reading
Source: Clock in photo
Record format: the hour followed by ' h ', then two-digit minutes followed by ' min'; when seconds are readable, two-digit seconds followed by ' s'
5 h 56 min 07 s
